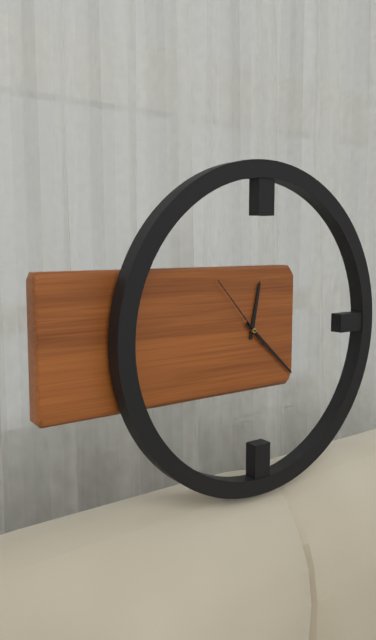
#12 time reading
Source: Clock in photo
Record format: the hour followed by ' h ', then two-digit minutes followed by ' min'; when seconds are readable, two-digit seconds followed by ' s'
12 h 22 min 53 s
